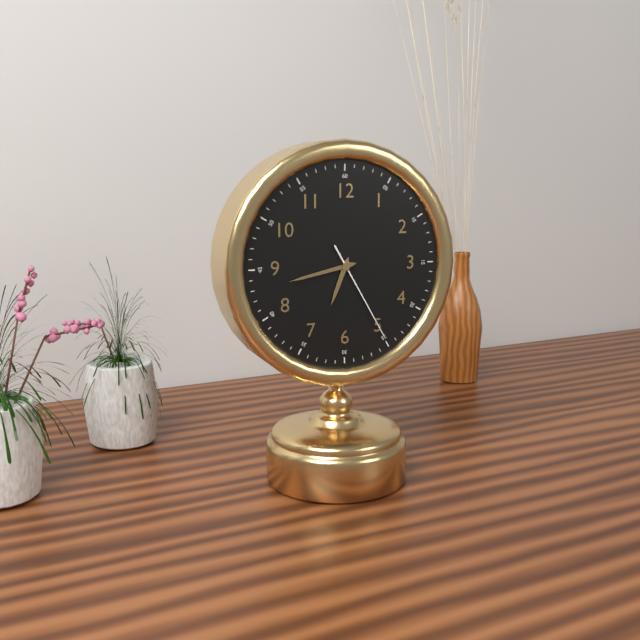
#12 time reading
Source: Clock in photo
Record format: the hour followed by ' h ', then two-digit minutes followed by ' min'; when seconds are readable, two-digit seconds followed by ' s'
6 h 43 min 25 s
